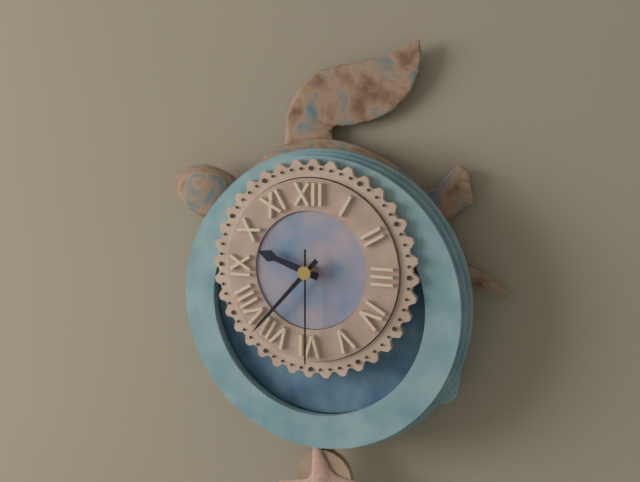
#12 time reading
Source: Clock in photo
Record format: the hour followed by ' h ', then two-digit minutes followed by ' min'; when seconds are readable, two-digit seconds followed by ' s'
9 h 37 min 30 s
